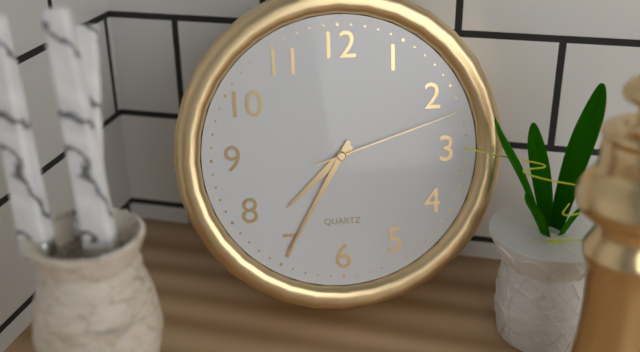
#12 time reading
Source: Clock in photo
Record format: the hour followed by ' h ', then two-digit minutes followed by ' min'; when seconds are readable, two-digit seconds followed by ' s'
7 h 35 min 12 s
